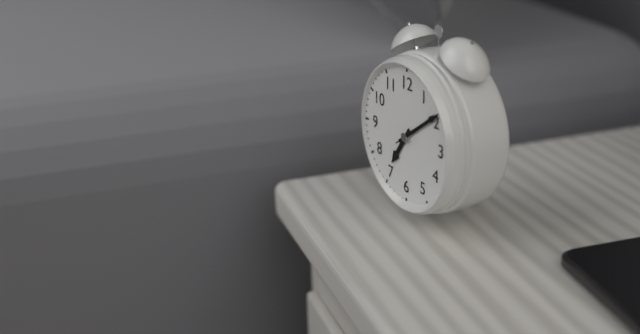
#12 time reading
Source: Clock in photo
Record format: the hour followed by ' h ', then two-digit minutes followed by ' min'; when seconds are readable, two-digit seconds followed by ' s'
7 h 09 min 09 s
